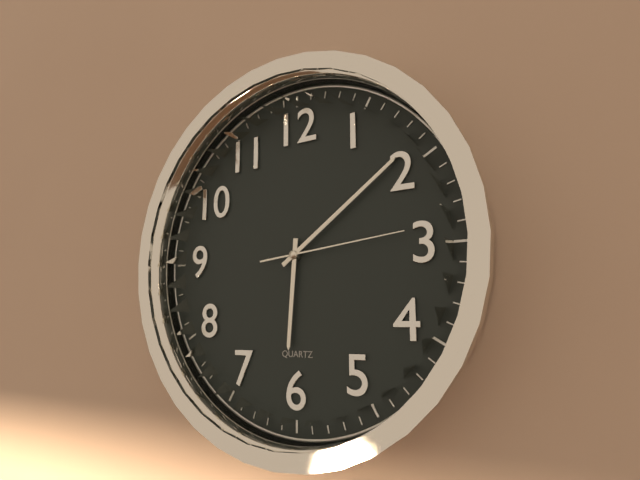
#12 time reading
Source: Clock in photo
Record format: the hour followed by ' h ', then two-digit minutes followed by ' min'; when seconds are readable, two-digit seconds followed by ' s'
6 h 09 min 14 s
